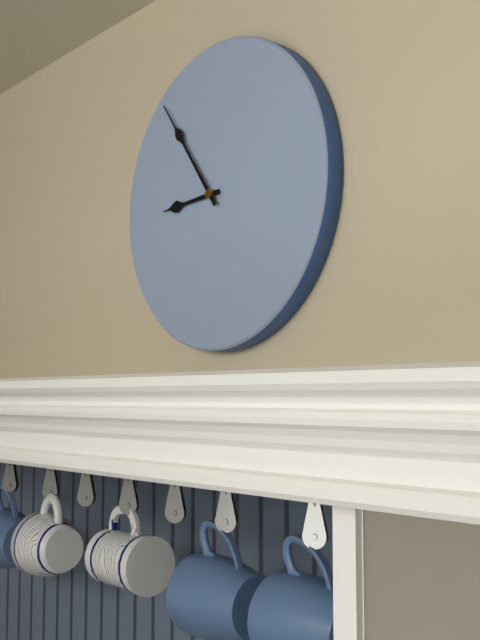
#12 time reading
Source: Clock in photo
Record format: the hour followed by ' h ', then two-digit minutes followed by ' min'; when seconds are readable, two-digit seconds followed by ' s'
8 h 54 min
